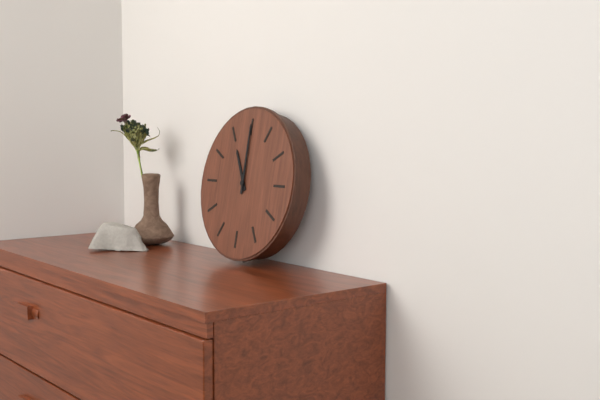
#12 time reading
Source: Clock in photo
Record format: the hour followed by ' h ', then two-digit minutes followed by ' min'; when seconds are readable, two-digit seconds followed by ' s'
11 h 00 min
